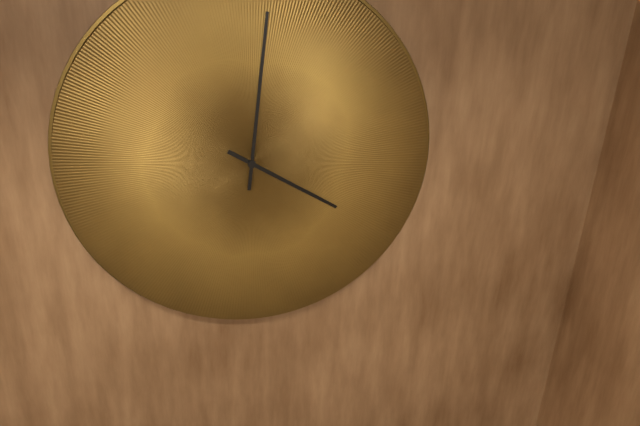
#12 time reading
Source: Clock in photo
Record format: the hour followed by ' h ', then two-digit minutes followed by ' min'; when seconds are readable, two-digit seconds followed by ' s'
4 h 01 min
